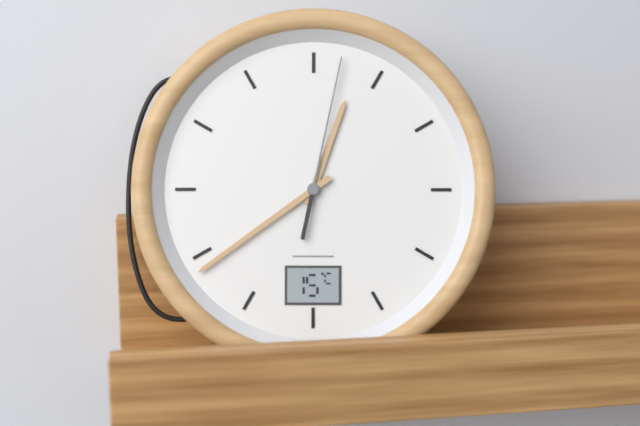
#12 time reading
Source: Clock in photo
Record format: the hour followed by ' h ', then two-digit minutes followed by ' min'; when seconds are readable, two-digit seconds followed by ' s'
12 h 39 min 02 s
